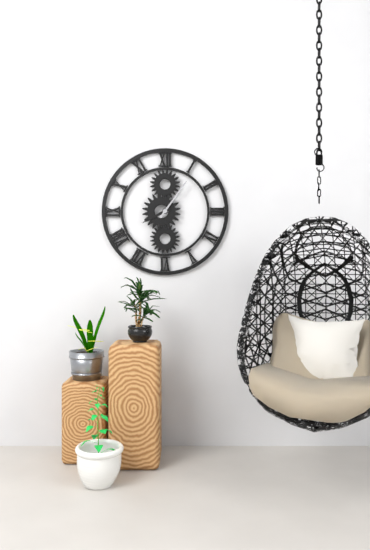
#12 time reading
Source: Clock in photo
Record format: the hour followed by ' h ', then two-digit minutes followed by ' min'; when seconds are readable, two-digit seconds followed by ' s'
8 h 06 min
